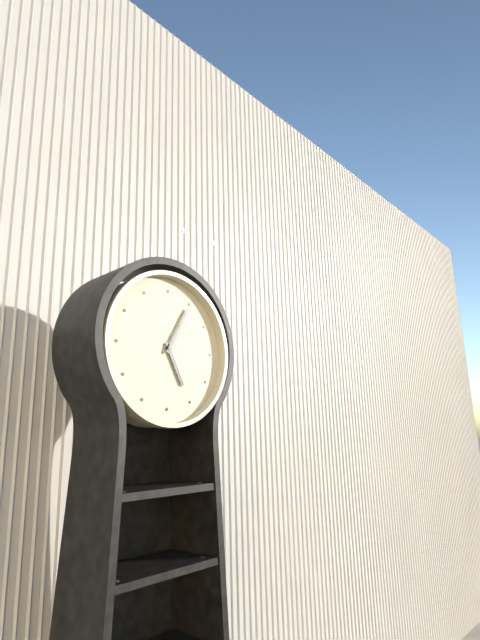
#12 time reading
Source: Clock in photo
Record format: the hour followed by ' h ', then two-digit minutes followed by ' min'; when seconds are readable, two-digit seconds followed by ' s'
5 h 05 min
